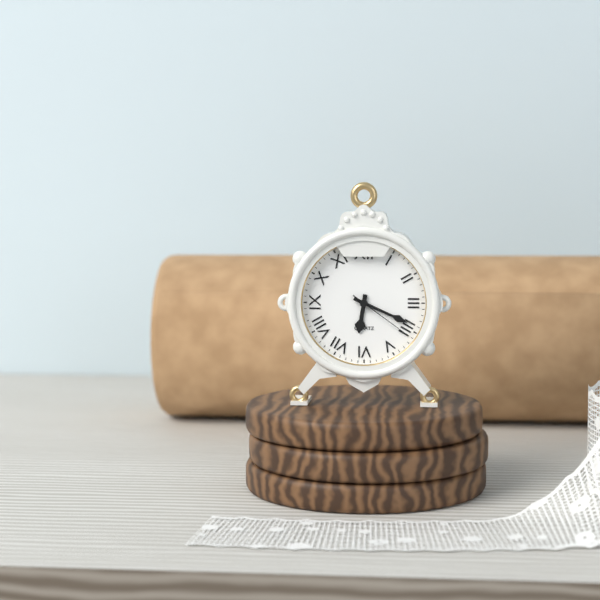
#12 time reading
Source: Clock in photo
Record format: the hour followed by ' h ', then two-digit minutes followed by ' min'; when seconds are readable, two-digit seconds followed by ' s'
6 h 19 min 21 s
